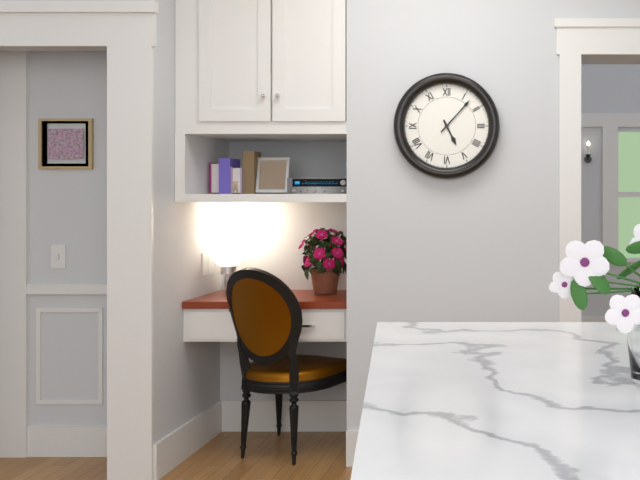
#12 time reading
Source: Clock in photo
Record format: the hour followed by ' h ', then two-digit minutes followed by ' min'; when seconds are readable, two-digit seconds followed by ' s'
5 h 07 min
